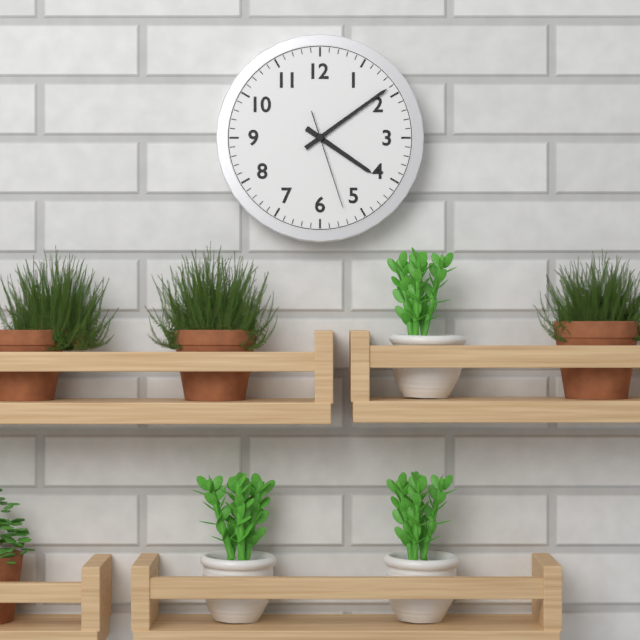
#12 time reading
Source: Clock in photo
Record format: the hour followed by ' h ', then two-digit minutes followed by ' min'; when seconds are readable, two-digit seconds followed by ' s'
4 h 09 min 27 s
